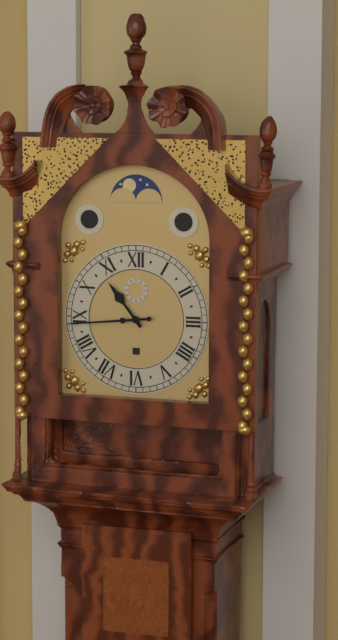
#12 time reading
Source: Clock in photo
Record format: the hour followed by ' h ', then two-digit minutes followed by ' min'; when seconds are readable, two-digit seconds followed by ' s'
10 h 44 min
